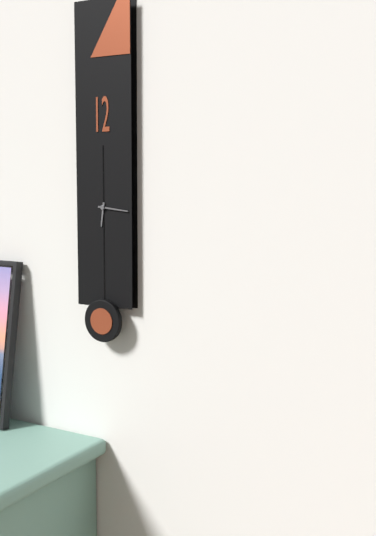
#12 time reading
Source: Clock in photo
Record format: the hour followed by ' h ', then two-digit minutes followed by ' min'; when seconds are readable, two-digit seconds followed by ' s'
6 h 16 min
